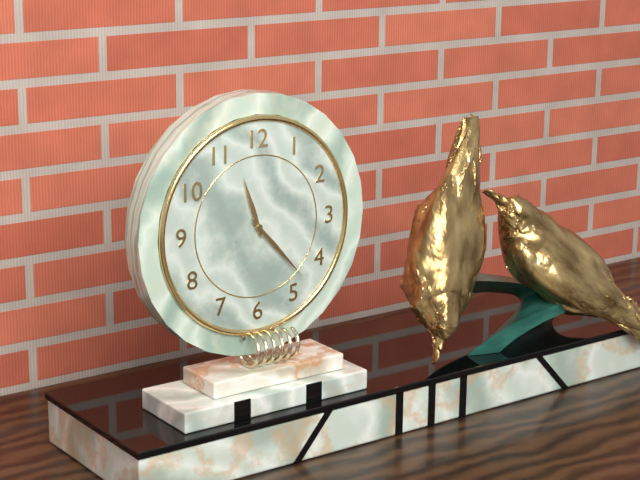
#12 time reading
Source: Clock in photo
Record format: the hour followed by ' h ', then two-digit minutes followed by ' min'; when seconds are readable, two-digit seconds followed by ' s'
11 h 23 min
